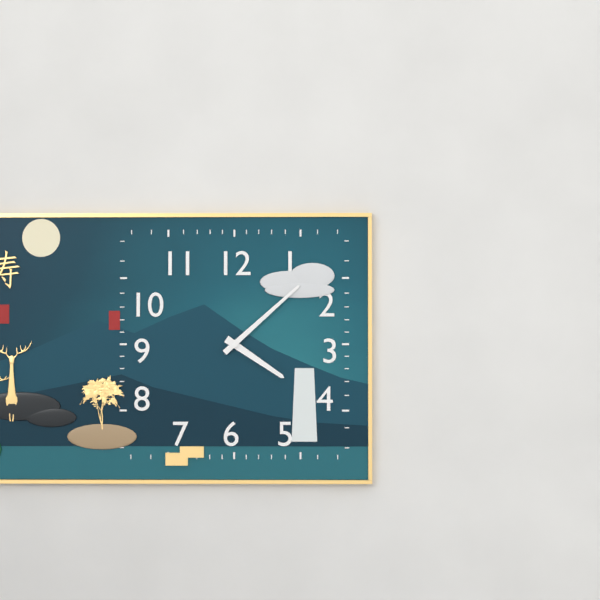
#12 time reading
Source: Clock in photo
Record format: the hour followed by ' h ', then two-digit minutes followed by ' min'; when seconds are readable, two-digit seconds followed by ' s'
4 h 08 min
